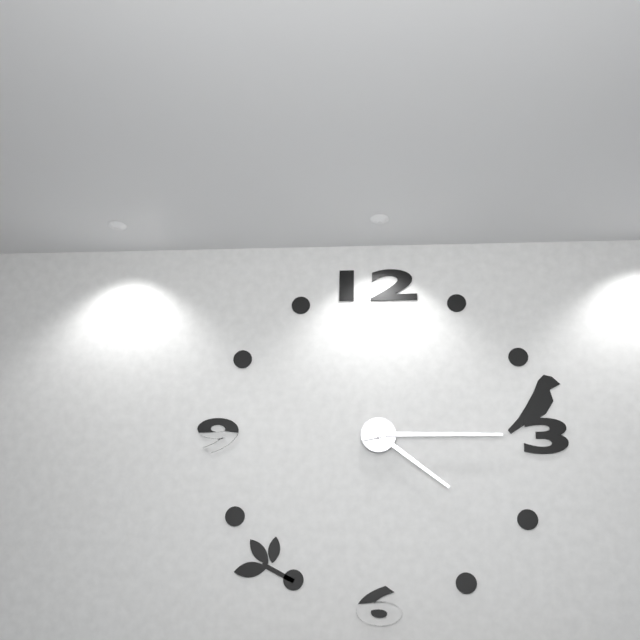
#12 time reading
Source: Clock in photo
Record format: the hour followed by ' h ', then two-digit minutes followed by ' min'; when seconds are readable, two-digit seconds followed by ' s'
4 h 15 min
